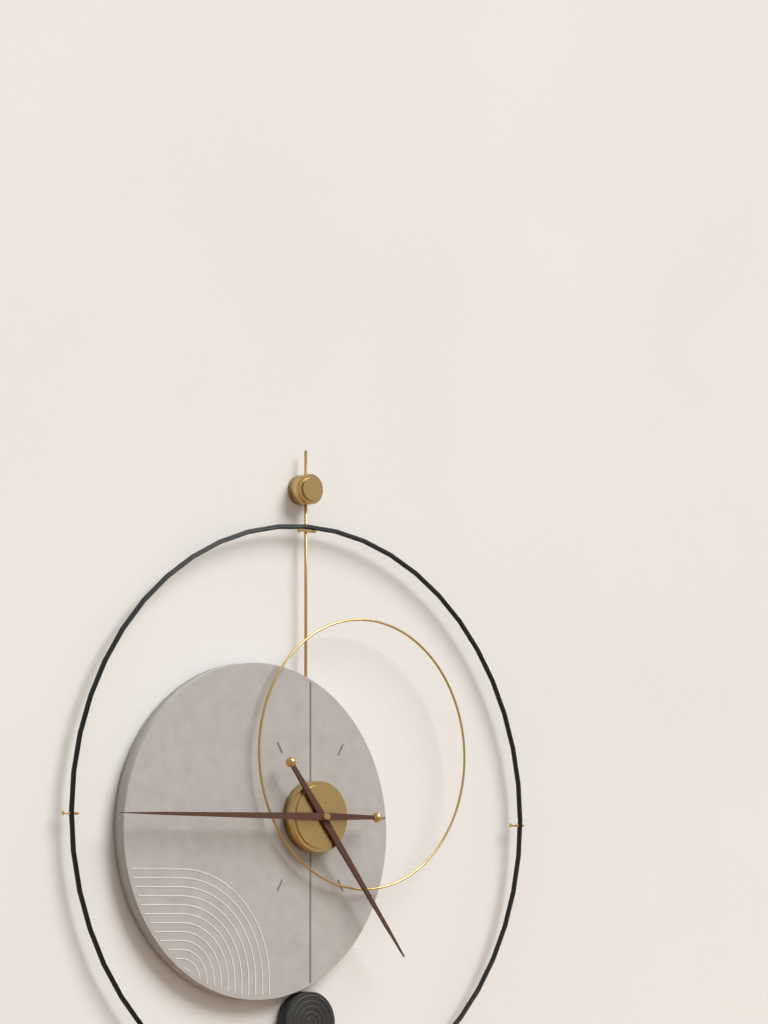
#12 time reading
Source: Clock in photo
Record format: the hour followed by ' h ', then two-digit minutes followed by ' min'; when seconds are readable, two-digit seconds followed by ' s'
4 h 45 min
